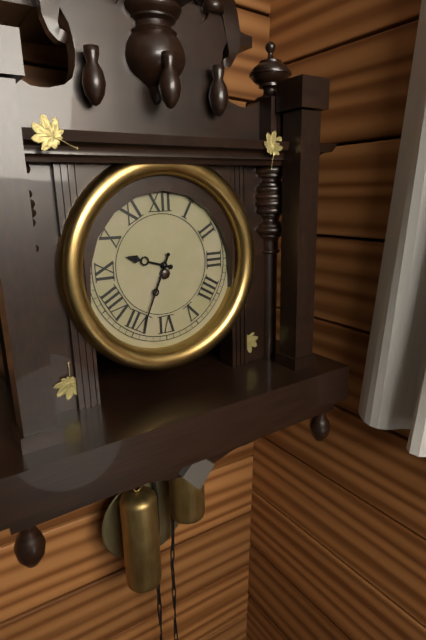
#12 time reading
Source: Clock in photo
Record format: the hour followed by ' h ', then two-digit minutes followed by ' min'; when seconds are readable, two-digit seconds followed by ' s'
9 h 34 min
